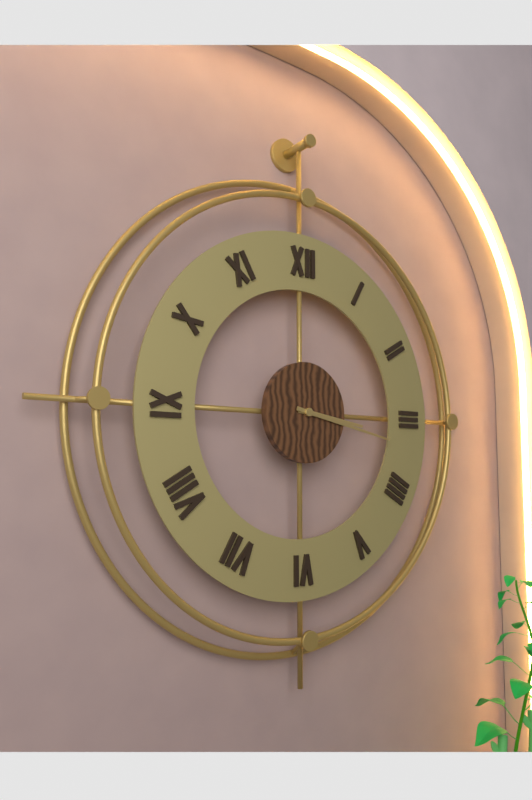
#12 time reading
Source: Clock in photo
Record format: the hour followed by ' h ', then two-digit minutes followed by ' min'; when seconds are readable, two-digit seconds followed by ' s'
3 h 17 min
